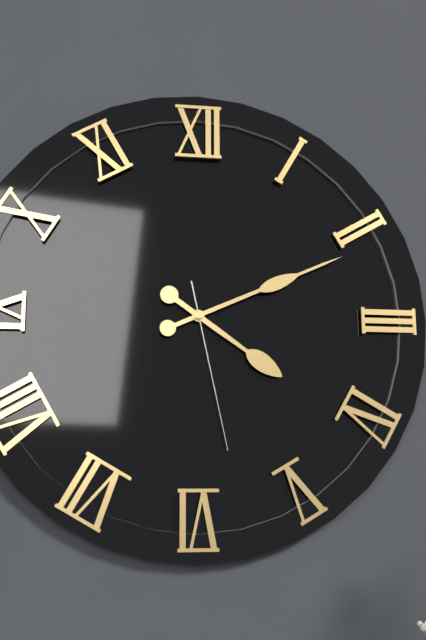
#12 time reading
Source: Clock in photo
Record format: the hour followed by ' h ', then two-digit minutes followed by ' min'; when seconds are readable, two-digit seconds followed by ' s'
4 h 11 min 28 s
